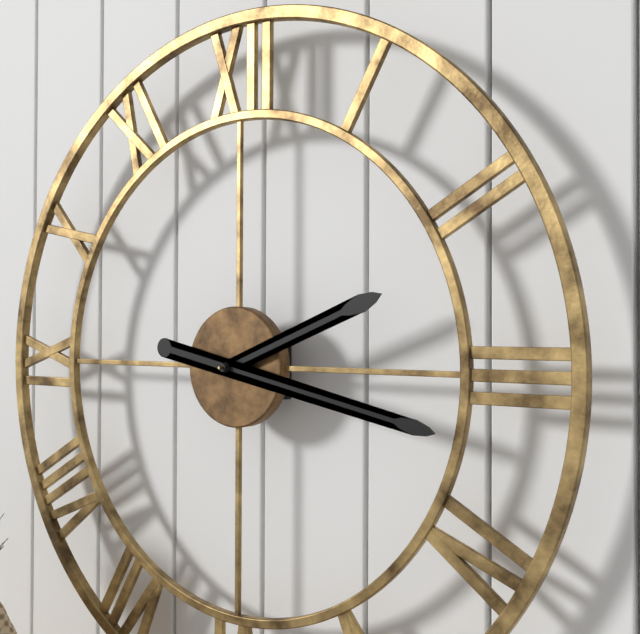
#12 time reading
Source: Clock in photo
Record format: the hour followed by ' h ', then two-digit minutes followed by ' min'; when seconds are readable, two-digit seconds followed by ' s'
2 h 17 min
